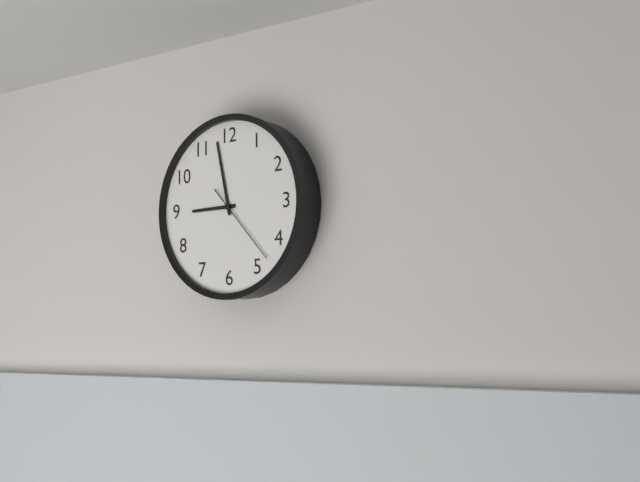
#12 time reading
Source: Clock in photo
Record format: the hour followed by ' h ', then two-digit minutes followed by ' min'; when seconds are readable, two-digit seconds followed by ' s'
8 h 58 min 23 s
